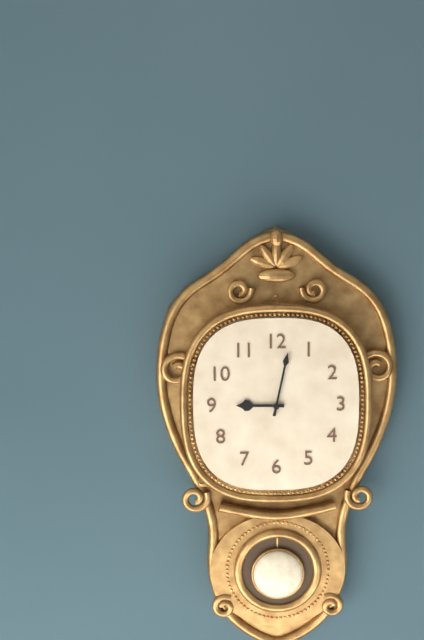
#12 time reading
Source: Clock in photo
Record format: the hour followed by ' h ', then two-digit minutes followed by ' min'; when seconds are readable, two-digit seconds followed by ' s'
9 h 02 min
